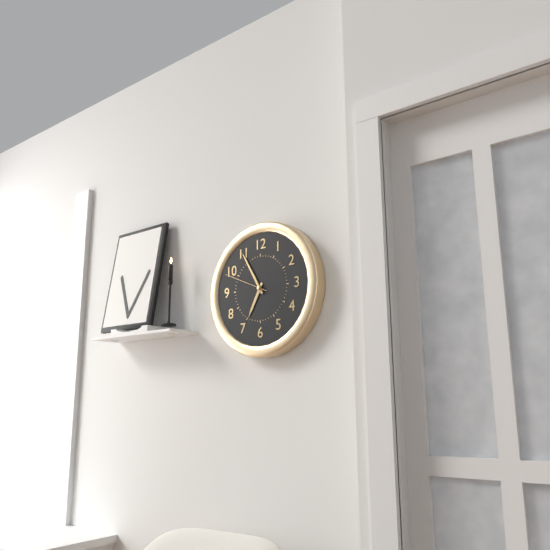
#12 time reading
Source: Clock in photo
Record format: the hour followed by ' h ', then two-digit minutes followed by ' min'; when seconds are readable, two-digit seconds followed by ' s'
6 h 55 min
